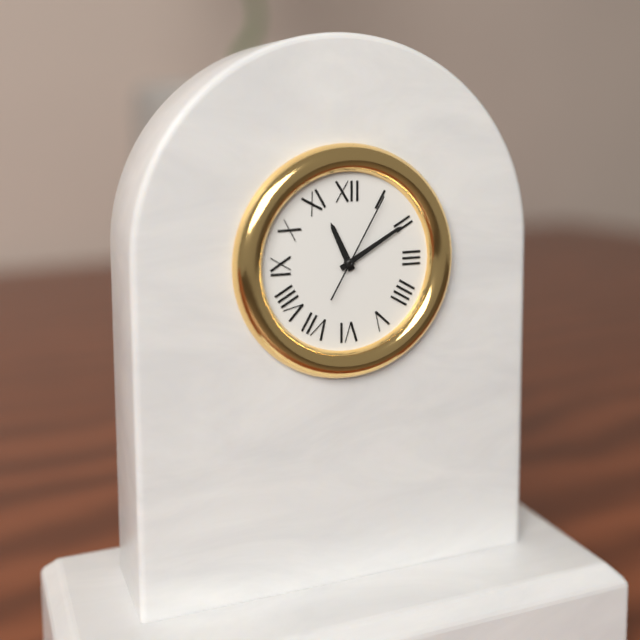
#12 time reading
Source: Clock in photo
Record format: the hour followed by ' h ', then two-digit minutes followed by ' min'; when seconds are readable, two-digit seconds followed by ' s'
11 h 10 min 05 s
